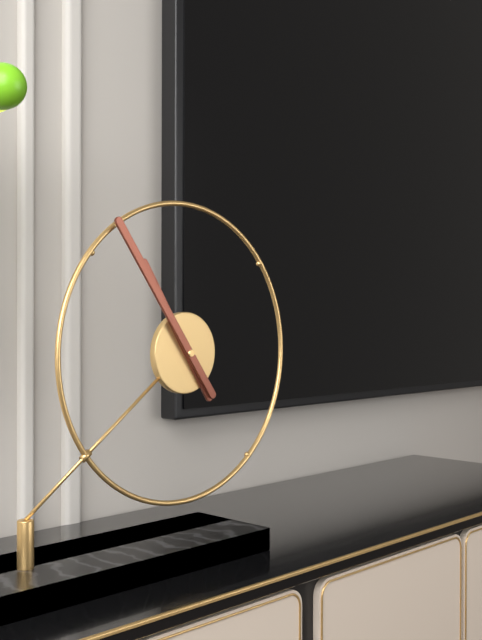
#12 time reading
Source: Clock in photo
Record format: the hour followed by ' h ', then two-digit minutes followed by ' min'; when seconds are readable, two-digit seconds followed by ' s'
10 h 54 min
